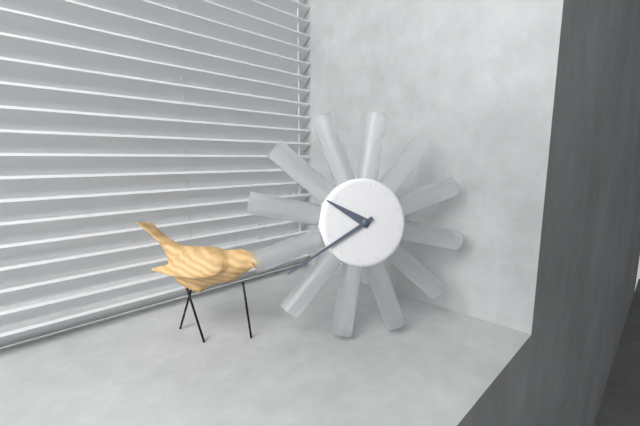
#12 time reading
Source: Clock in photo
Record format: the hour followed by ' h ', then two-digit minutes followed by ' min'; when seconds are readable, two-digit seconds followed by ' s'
9 h 38 min
